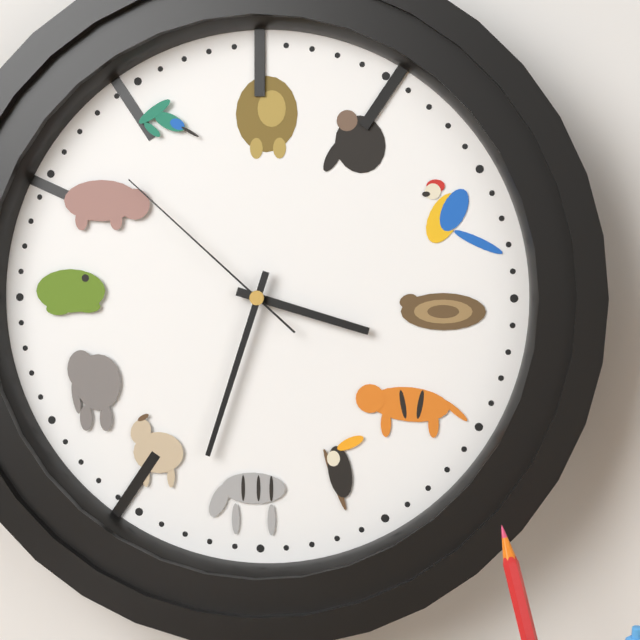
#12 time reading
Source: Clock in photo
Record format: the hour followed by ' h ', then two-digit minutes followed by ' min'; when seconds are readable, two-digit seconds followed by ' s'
3 h 33 min 52 s
